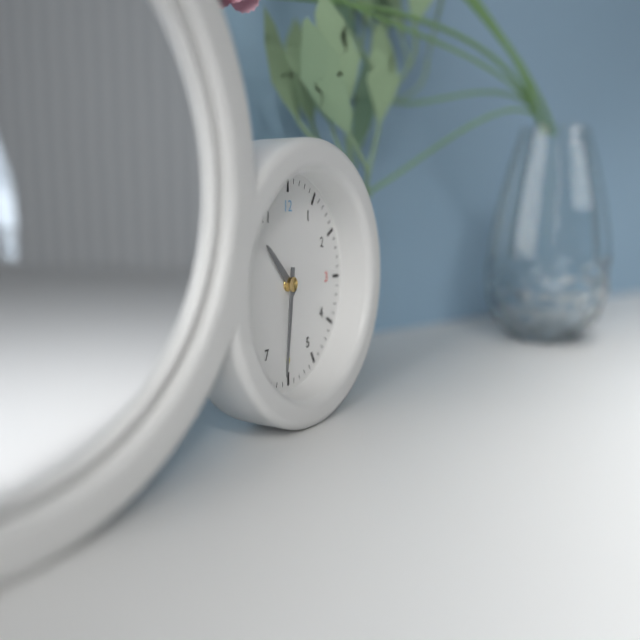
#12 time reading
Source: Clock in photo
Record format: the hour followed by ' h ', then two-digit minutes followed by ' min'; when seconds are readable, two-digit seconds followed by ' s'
10 h 31 min
